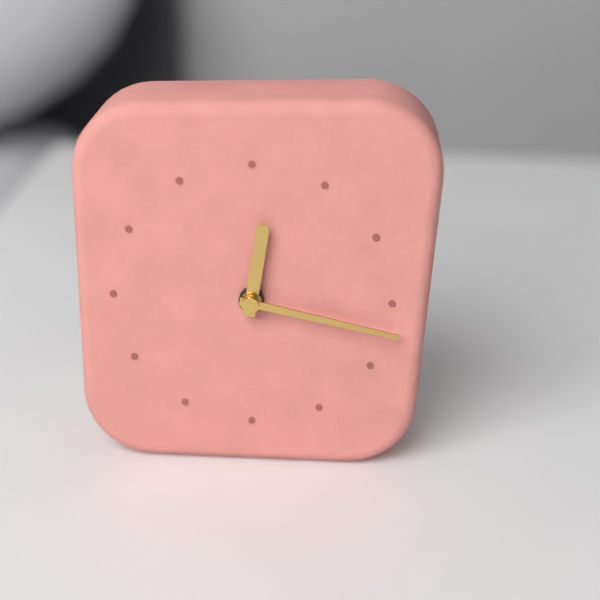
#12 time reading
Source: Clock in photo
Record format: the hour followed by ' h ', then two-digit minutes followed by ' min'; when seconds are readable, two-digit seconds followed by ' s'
12 h 17 min
